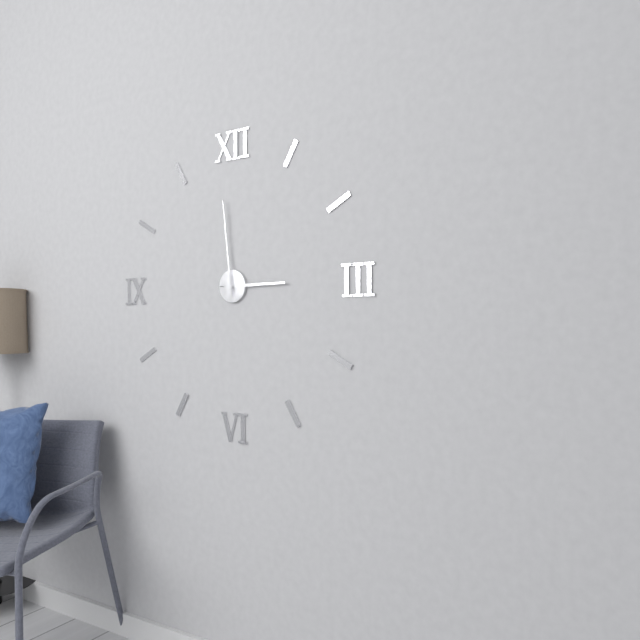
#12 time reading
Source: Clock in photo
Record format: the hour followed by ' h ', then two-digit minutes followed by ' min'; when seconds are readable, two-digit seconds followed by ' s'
2 h 59 min
